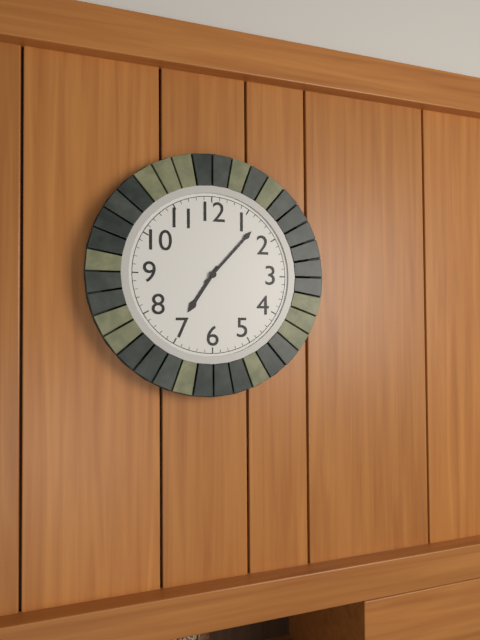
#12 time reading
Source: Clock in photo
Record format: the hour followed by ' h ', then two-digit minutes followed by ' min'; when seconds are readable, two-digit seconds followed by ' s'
7 h 07 min
